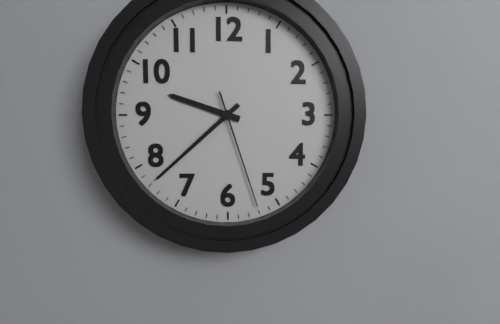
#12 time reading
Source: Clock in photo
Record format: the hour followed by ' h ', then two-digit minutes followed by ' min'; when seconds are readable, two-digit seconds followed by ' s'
9 h 38 min 27 s
